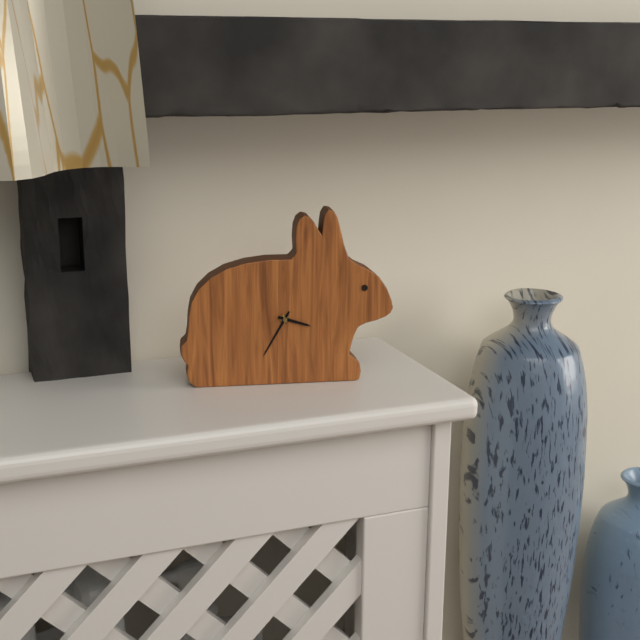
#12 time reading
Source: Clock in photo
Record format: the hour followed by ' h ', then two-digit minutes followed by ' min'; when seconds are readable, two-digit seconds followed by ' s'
3 h 35 min
